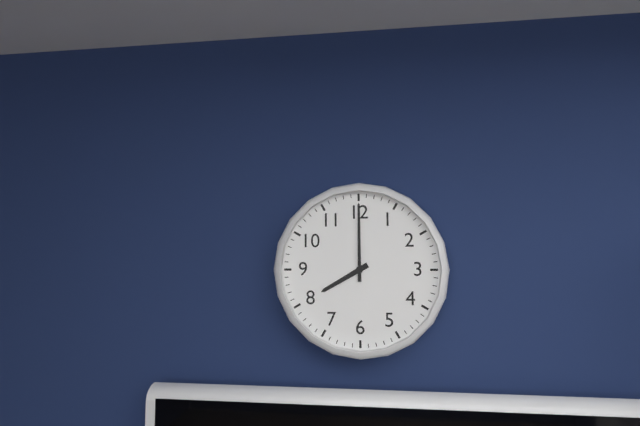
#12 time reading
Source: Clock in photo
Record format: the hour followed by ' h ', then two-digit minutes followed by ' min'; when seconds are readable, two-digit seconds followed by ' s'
8 h 00 min
